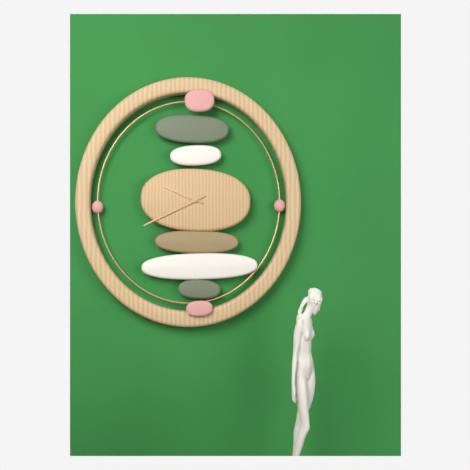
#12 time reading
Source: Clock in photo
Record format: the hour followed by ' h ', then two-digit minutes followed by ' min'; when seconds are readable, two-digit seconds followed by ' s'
9 h 41 min
